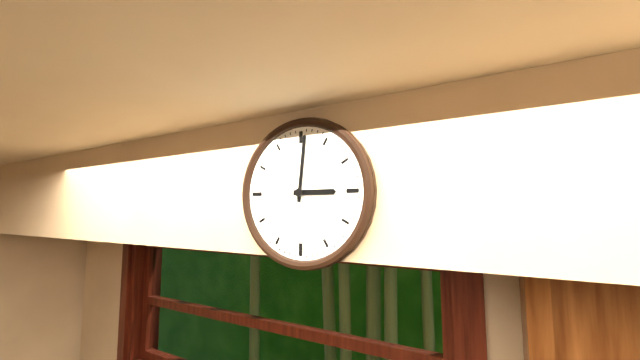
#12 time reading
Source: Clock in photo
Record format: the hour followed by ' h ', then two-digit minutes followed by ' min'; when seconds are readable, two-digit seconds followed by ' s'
3 h 01 min
